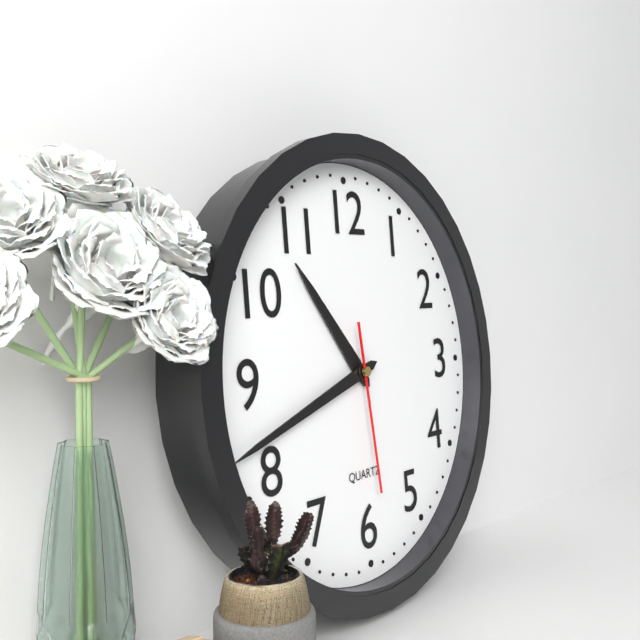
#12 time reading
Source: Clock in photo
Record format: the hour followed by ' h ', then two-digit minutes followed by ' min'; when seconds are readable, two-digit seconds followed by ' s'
10 h 42 min 29 s
